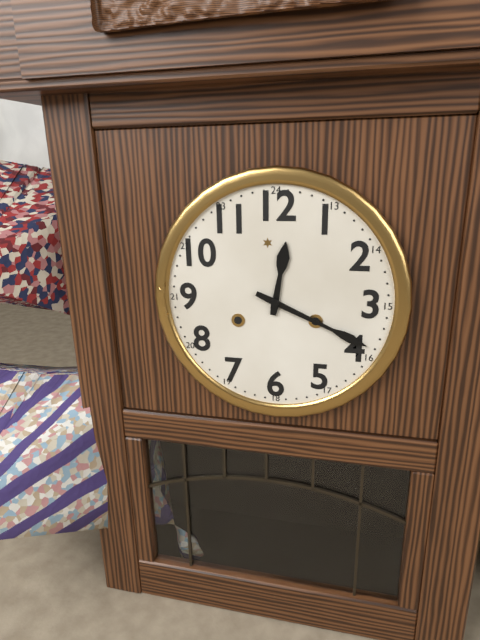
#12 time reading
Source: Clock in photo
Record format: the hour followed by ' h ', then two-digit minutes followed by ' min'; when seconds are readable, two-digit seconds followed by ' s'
12 h 19 min
